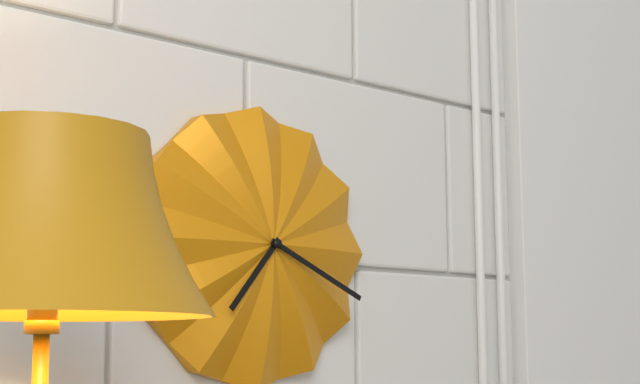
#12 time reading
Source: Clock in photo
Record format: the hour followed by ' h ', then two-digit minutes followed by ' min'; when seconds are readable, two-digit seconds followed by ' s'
7 h 19 min
